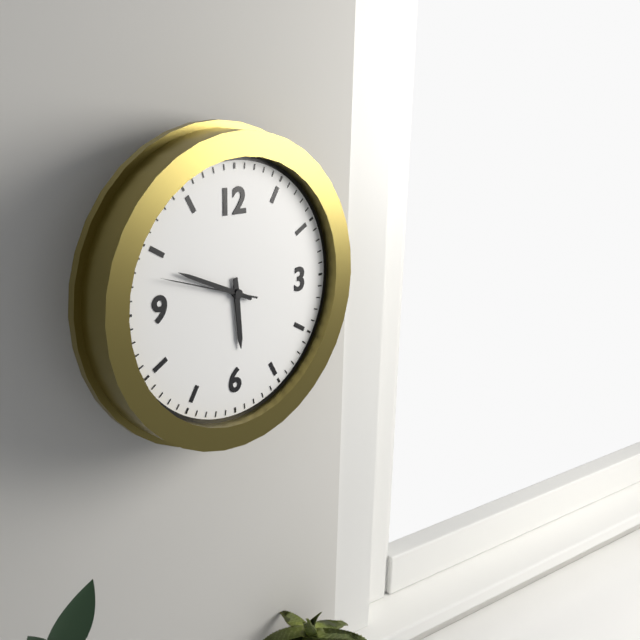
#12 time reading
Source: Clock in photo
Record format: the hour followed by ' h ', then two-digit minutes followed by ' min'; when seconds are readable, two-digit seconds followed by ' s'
5 h 49 min 48 s
